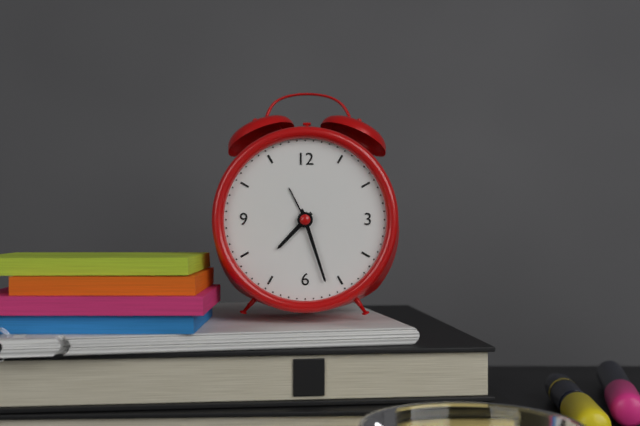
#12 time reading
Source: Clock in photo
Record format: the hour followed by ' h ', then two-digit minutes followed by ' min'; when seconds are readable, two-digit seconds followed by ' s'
7 h 27 min
